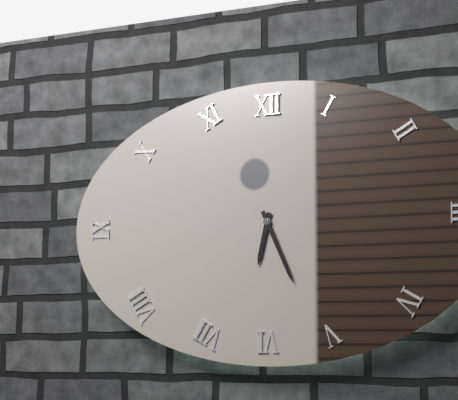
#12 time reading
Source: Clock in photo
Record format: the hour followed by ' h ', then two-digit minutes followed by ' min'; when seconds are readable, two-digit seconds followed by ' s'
6 h 26 min
